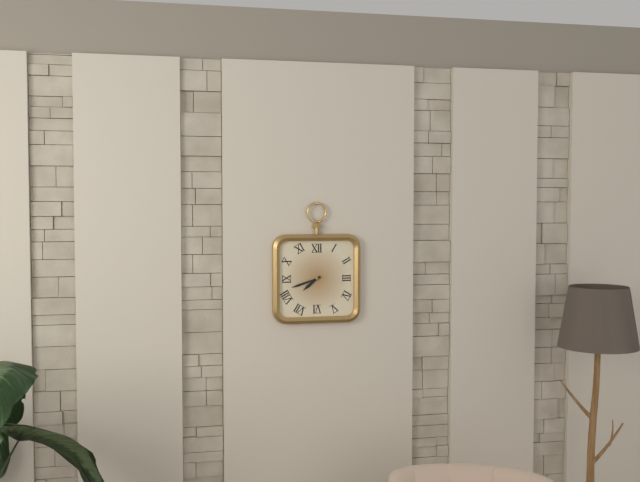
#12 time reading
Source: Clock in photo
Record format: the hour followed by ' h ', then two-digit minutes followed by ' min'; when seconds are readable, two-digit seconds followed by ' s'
7 h 42 min
